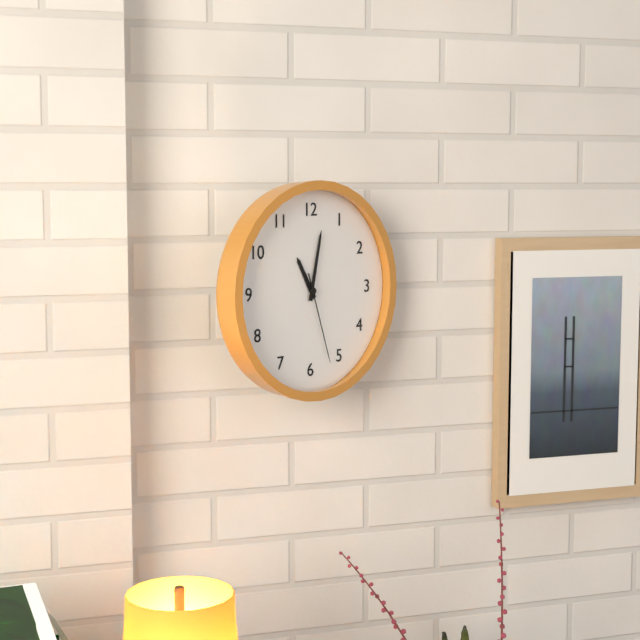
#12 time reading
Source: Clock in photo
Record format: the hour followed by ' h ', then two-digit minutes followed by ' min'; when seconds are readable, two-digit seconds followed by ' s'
11 h 02 min 27 s
